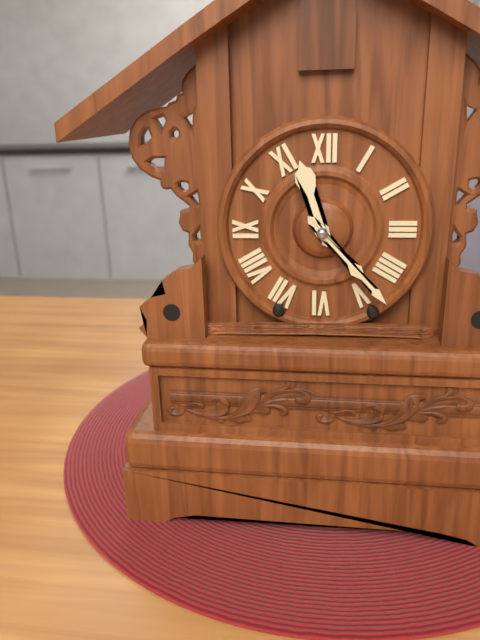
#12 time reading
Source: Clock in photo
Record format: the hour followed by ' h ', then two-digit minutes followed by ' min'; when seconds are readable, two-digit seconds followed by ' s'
11 h 23 min
